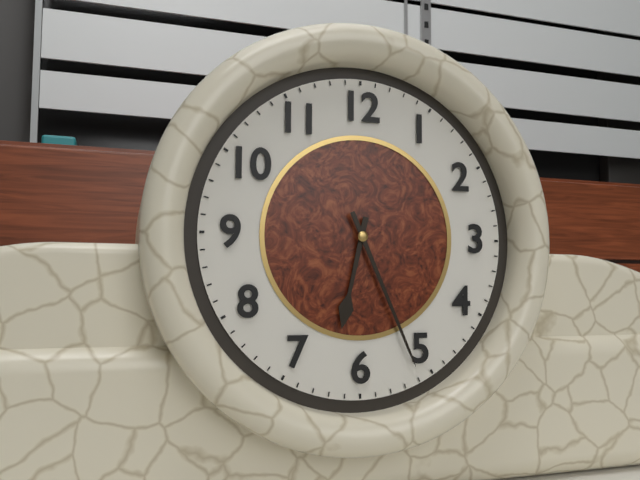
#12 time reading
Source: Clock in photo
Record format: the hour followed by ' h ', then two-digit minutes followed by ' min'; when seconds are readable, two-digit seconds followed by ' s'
6 h 26 min
